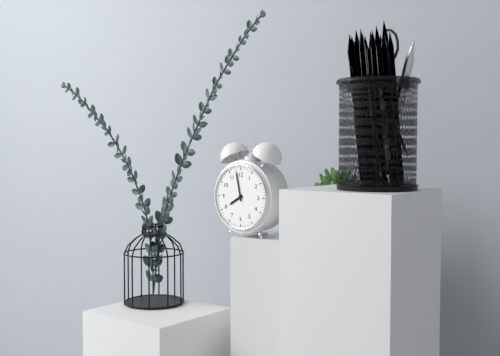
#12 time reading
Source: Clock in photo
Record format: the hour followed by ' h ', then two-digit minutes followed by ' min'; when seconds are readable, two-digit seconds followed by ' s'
7 h 58 min
